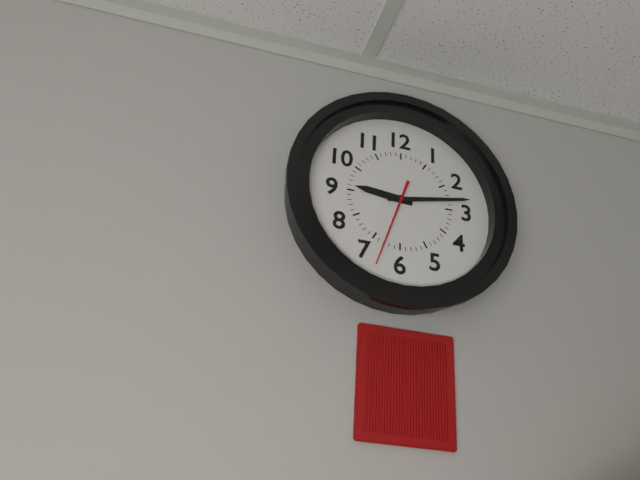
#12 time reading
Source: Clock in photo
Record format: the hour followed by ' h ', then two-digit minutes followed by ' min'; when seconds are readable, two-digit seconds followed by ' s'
9 h 13 min 33 s
